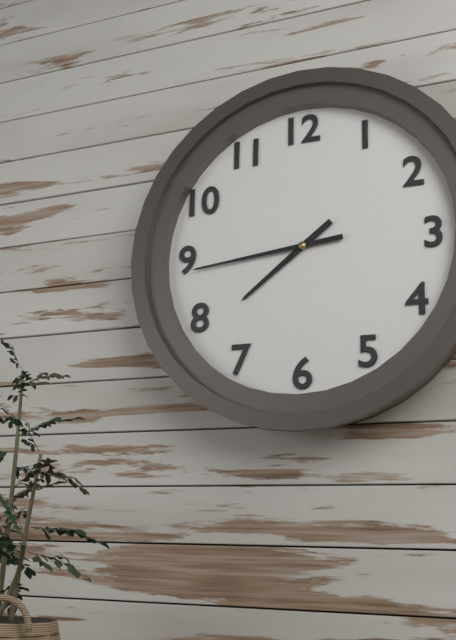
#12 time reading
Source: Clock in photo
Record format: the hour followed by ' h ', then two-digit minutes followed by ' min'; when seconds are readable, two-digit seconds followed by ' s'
7 h 44 min
